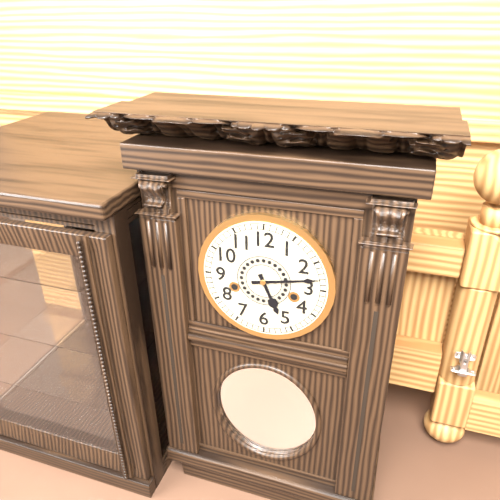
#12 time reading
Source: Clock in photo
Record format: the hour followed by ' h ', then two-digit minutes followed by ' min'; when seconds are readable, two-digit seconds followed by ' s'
5 h 13 min
